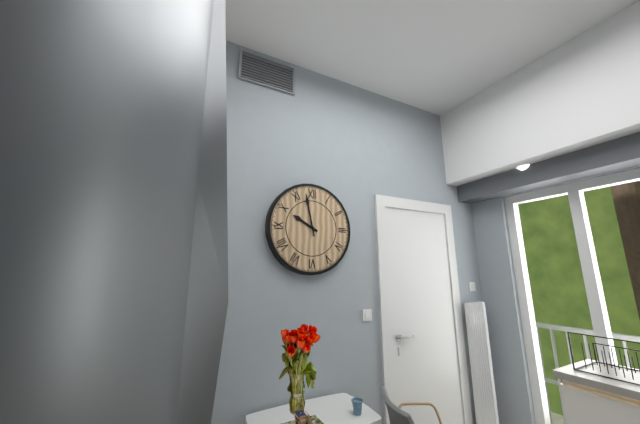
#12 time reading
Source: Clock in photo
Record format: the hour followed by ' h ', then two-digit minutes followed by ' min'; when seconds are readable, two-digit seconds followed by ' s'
9 h 58 min
